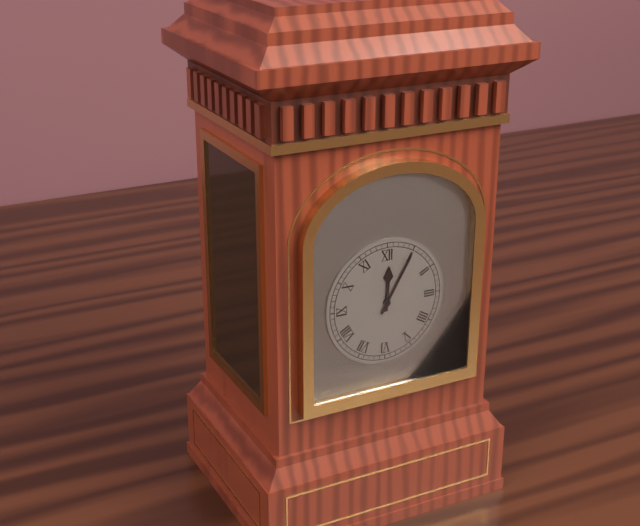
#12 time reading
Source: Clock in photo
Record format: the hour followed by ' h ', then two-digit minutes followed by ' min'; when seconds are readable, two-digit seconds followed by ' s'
12 h 05 min
